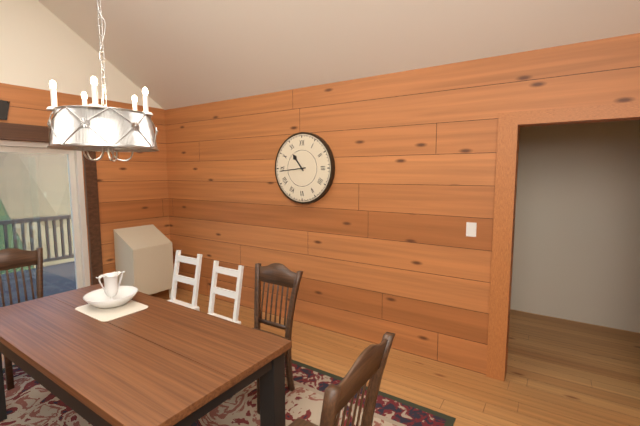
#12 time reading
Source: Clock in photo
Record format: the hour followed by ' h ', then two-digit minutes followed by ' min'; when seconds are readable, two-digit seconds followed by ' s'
10 h 44 min
